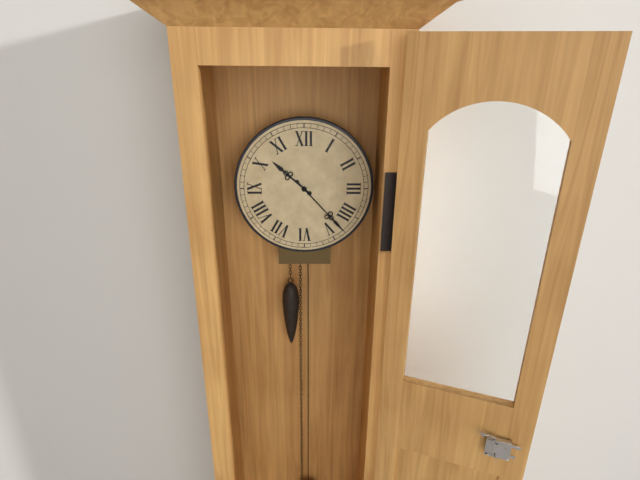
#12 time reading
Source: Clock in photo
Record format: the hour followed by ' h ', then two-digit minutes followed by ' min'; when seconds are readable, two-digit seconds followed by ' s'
10 h 23 min
